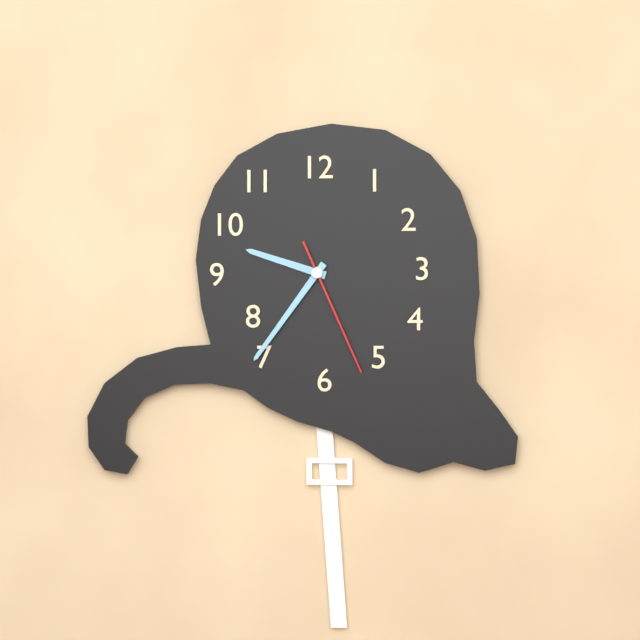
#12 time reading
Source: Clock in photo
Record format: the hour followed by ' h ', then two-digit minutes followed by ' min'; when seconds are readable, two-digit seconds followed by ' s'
9 h 36 min 26 s
